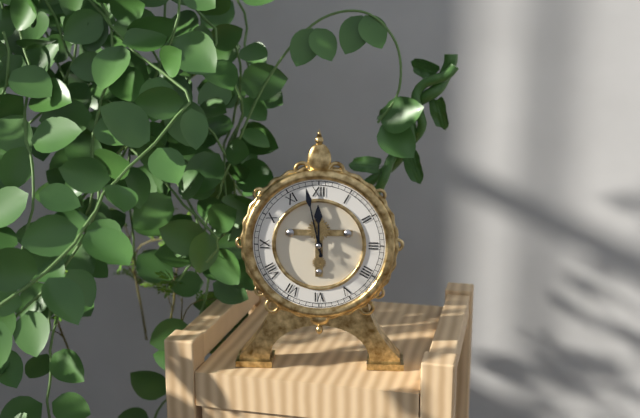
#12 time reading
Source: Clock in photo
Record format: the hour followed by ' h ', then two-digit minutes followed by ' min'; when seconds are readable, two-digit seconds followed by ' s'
11 h 58 min
